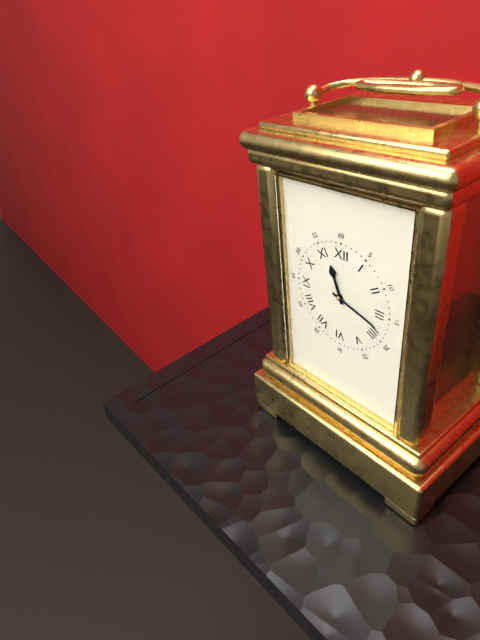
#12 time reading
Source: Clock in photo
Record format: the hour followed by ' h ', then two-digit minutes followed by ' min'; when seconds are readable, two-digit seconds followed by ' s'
11 h 18 min
